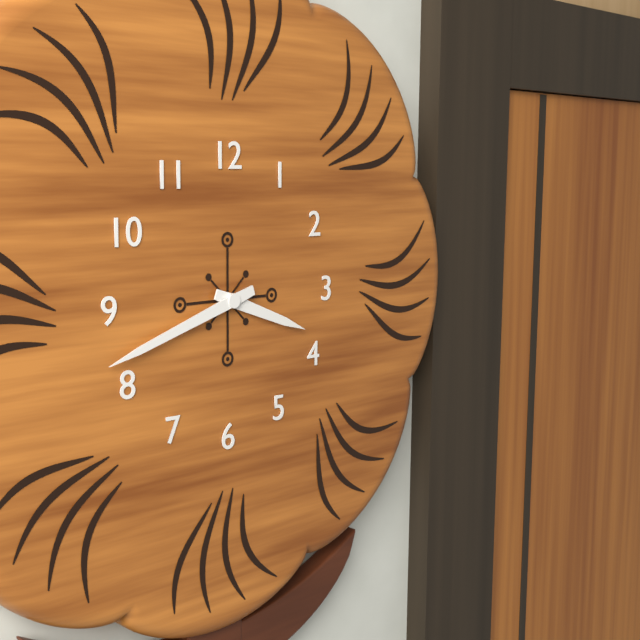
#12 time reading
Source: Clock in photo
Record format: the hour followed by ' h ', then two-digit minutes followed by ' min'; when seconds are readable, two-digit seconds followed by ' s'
3 h 42 min
